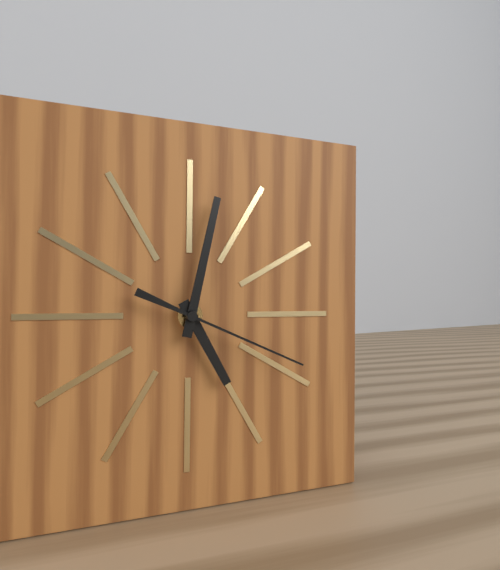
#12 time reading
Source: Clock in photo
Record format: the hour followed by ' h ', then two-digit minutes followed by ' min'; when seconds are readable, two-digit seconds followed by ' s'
5 h 02 min 19 s
